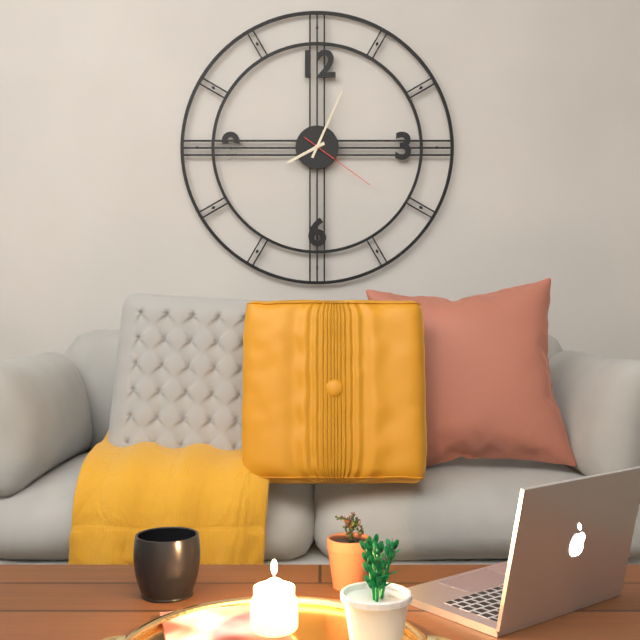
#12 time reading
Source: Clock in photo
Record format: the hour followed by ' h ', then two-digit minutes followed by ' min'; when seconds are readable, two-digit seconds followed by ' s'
8 h 04 min 21 s
